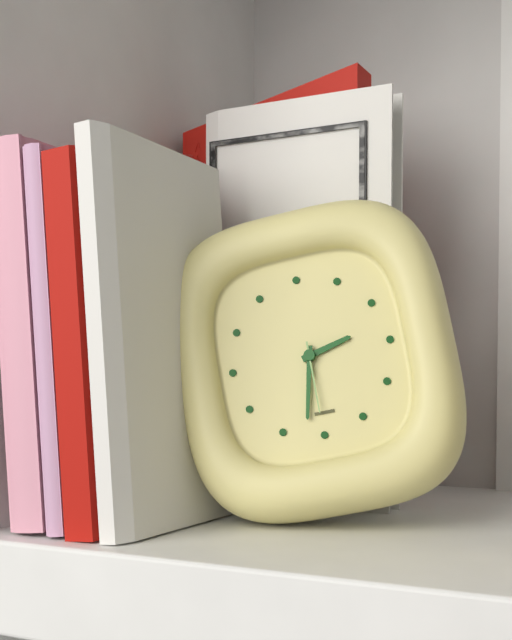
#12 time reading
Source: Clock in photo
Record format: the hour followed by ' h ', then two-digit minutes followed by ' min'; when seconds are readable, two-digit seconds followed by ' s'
2 h 32 min 30 s
